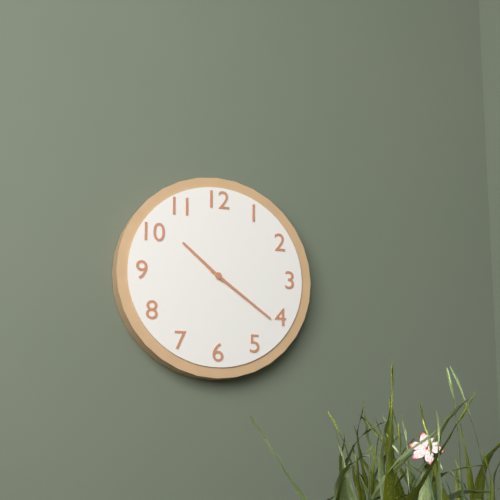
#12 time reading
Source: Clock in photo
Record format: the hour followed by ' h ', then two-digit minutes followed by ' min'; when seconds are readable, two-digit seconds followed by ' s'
10 h 21 min
